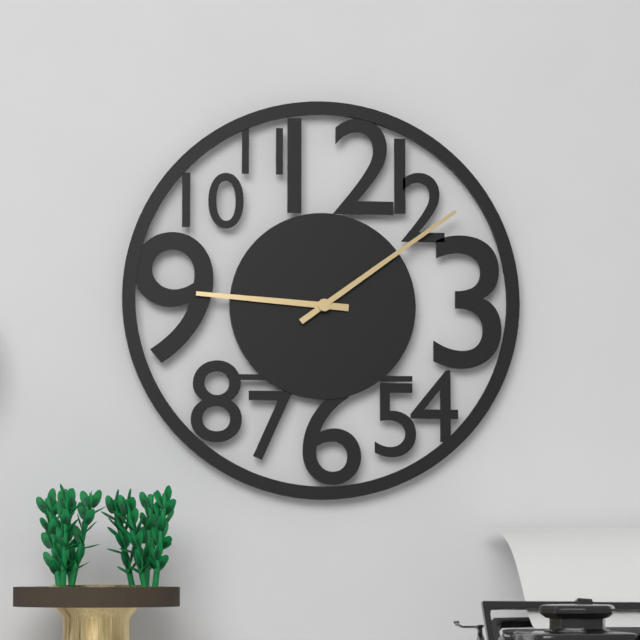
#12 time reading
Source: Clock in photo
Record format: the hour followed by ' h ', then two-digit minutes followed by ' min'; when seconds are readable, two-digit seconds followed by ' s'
9 h 09 min
